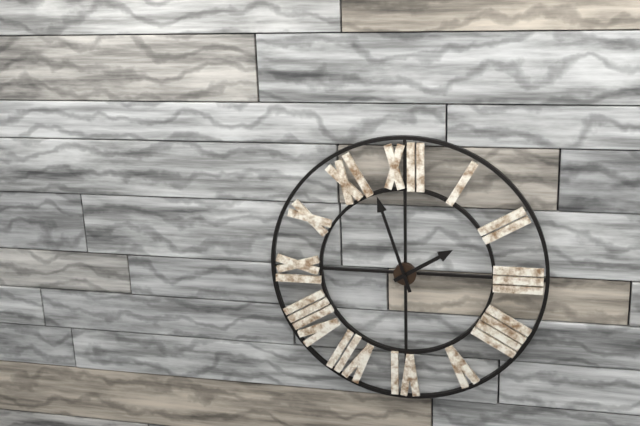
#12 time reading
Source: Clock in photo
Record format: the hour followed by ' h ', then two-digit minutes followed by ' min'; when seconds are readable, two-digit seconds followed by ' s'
1 h 57 min
